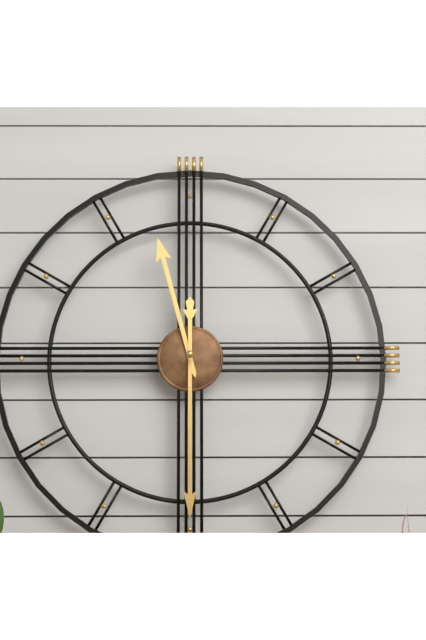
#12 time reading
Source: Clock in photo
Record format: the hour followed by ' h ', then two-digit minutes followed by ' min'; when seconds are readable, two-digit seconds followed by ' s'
11 h 30 min
